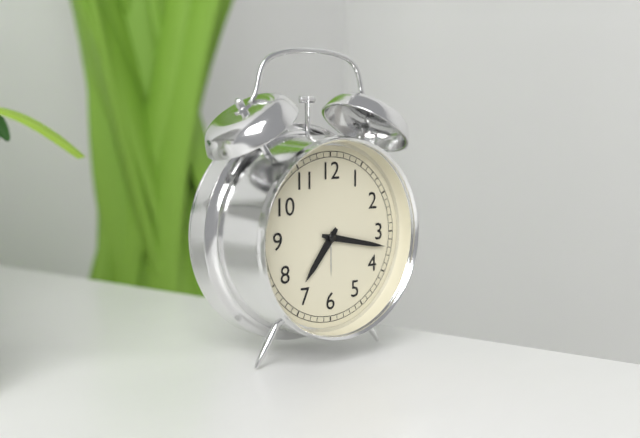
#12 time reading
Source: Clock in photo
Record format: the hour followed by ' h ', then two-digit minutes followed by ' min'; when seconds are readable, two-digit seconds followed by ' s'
7 h 17 min
